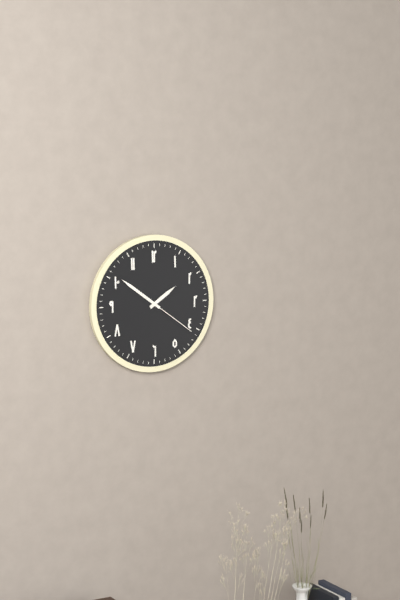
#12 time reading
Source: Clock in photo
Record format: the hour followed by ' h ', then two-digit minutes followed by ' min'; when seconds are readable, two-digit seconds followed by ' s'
1 h 51 min 21 s
